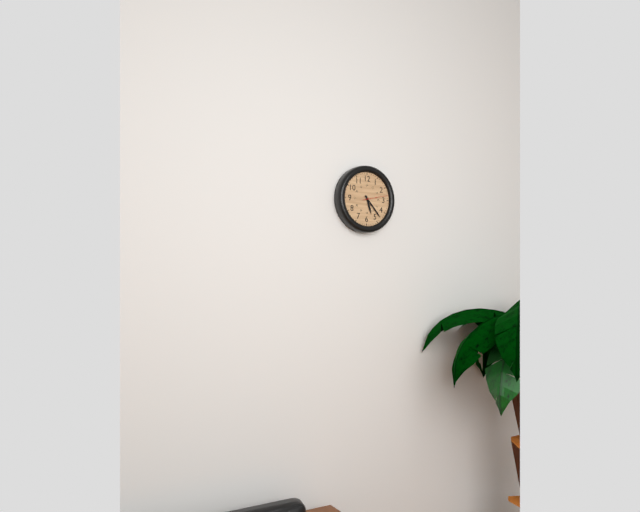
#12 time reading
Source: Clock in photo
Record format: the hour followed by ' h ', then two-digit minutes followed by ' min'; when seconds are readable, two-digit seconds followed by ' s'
5 h 23 min
